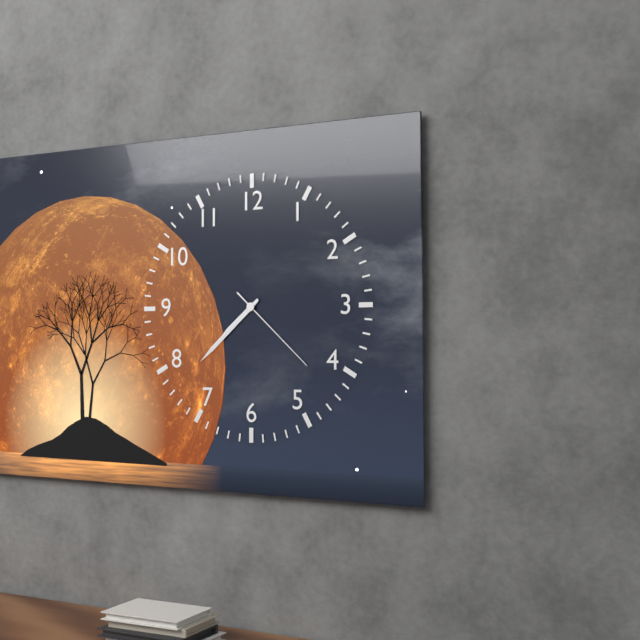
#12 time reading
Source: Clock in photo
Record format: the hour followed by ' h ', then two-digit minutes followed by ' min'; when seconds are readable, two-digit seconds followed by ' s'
7 h 38 min 22 s
